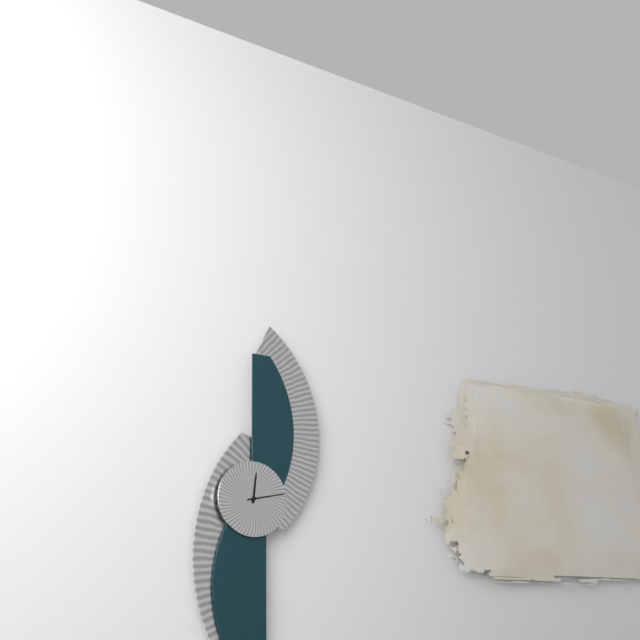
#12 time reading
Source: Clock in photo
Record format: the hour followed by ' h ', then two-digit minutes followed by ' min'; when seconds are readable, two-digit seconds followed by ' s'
12 h 13 min
